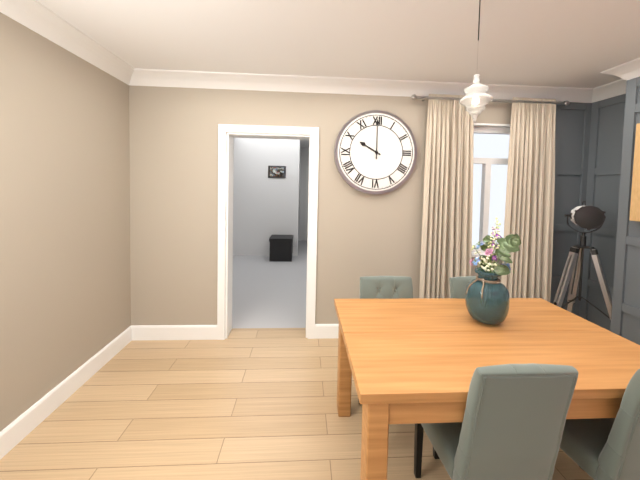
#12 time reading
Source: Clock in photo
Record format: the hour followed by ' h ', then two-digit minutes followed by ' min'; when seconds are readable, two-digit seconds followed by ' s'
10 h 00 min
